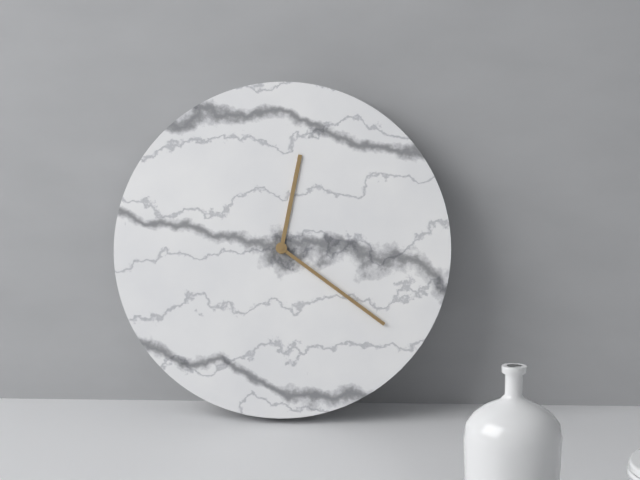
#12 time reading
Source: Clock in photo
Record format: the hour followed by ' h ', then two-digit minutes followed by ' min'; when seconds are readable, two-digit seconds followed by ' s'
12 h 21 min
